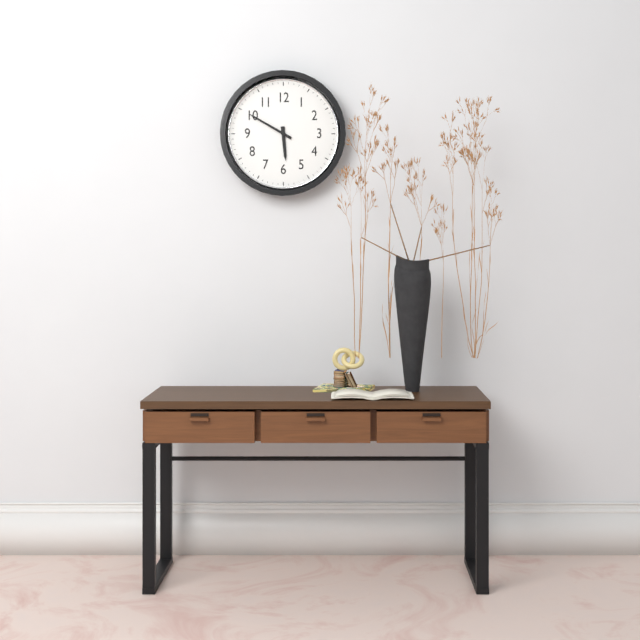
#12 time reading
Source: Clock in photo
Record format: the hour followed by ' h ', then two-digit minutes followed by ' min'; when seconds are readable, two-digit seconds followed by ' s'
5 h 50 min
